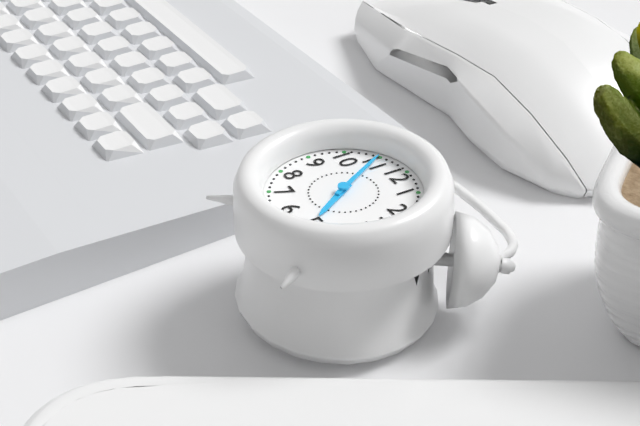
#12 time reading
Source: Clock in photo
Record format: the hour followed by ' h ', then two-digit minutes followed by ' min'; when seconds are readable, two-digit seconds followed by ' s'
4 h 55 min
